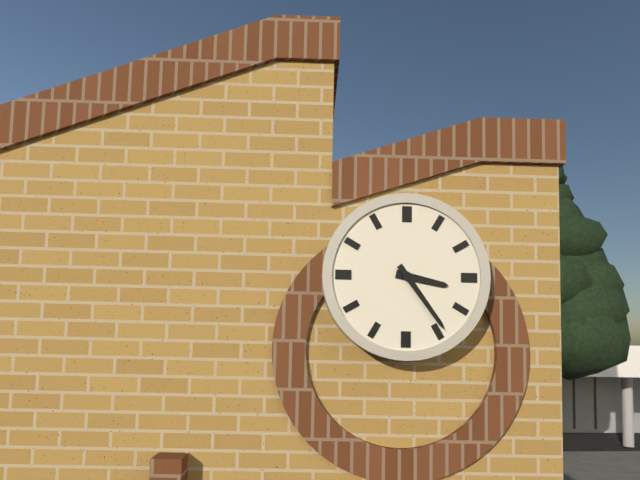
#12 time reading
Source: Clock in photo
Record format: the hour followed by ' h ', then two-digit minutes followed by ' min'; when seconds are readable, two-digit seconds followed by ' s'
3 h 24 min
